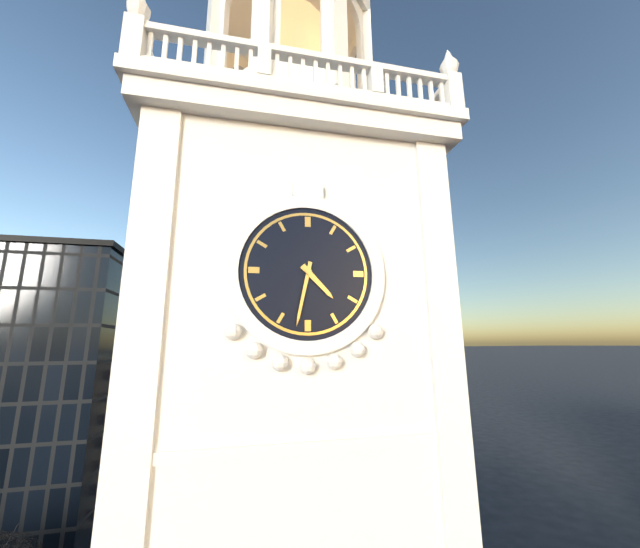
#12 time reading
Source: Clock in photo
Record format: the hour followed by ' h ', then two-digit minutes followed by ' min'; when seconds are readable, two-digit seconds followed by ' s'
4 h 32 min
